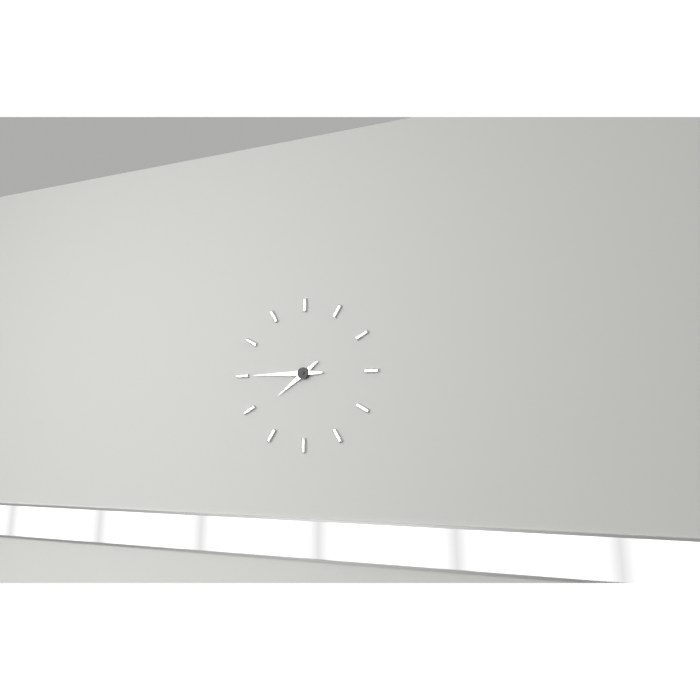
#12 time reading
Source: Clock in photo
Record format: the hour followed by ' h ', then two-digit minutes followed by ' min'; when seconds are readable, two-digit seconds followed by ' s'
7 h 45 min
